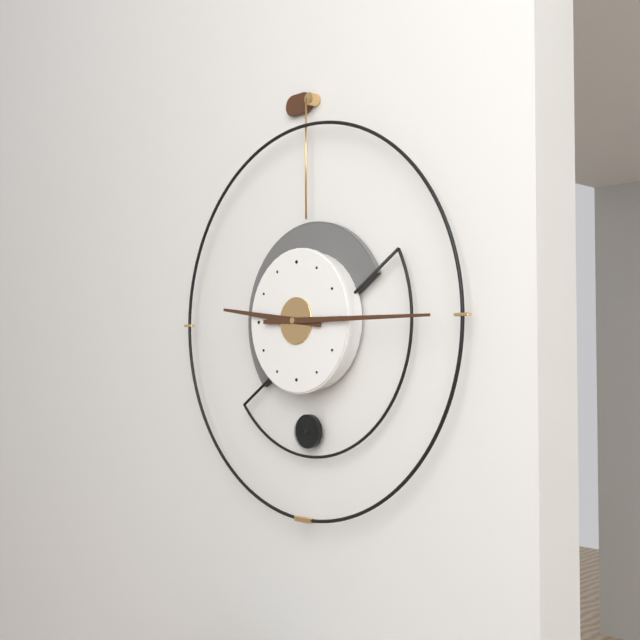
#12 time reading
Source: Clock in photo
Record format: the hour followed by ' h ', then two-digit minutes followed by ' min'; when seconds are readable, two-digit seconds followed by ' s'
9 h 15 min
